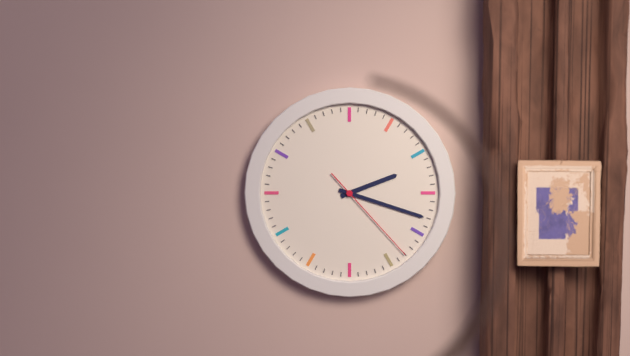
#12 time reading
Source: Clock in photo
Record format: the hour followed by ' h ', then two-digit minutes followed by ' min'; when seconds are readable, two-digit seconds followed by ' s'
2 h 18 min 23 s
